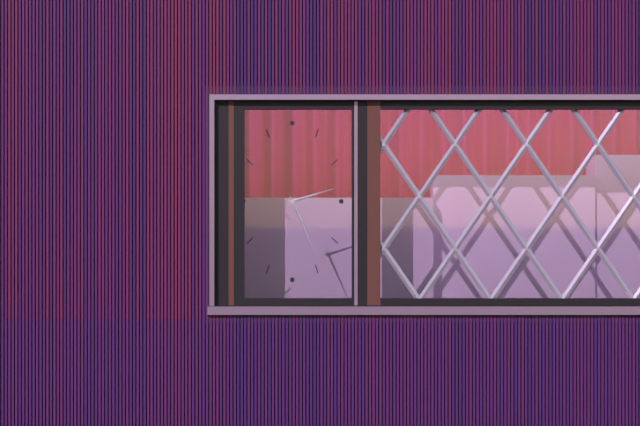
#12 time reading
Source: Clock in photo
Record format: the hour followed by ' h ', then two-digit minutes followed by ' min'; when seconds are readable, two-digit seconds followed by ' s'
2 h 26 min
